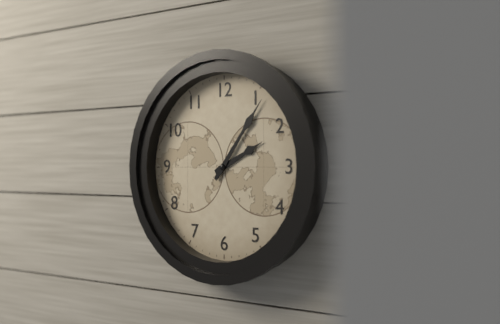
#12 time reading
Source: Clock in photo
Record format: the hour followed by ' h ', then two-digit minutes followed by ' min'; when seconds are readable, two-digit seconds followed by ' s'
2 h 06 min
